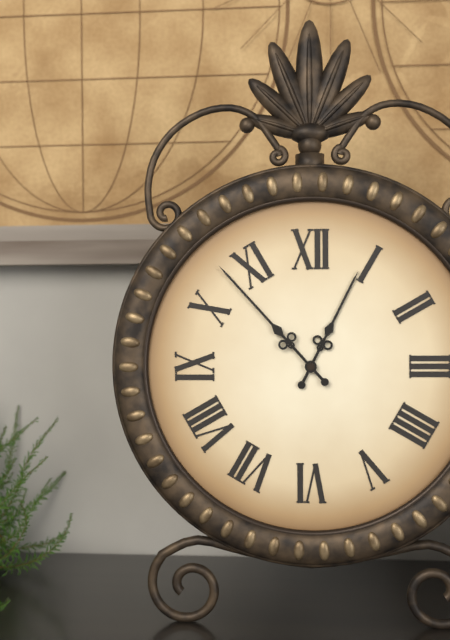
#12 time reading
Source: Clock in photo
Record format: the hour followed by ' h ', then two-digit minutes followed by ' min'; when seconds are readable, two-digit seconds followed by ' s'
12 h 53 min
